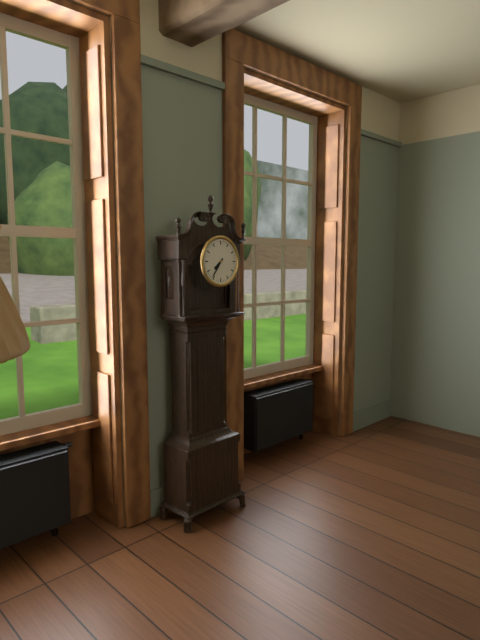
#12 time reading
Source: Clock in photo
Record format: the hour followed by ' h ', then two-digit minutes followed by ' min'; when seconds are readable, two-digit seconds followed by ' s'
7 h 36 min
